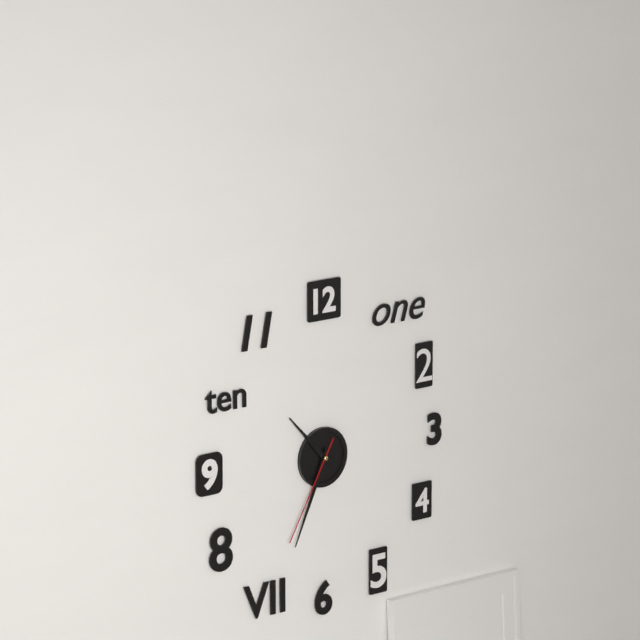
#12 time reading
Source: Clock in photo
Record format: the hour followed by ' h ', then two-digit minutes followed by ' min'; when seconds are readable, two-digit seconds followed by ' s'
10 h 34 min 35 s
